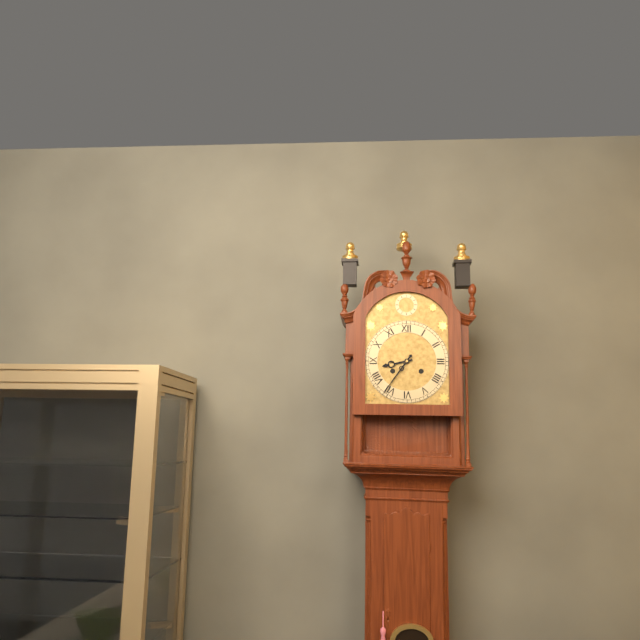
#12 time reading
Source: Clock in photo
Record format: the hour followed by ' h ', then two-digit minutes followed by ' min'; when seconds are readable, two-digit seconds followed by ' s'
8 h 36 min
